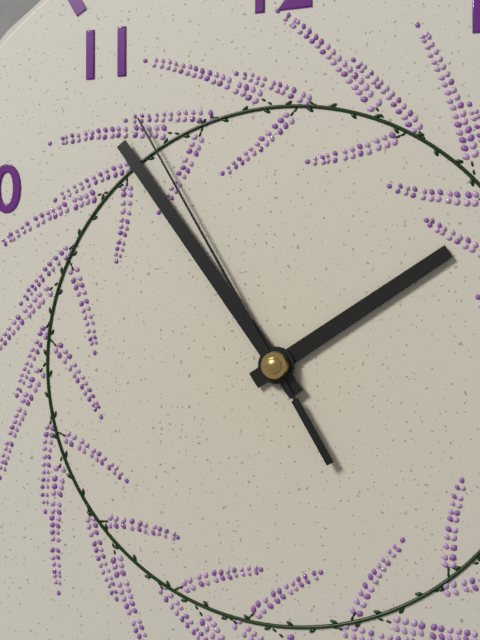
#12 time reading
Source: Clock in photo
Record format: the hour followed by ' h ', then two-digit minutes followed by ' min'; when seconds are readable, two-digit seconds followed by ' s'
1 h 54 min 55 s
